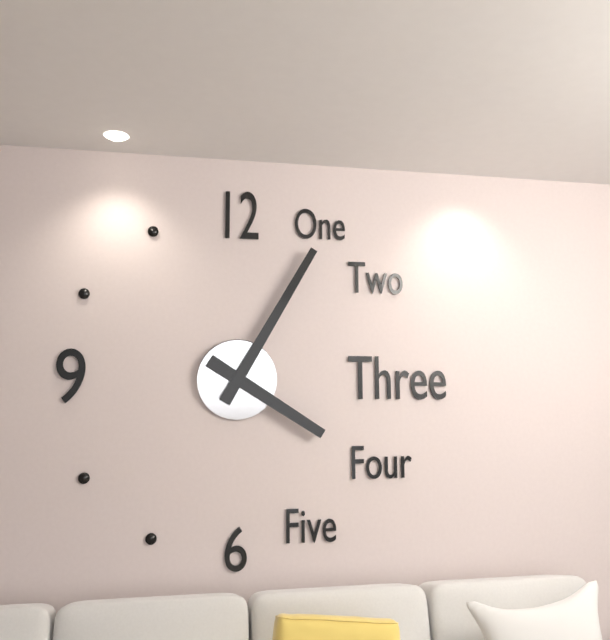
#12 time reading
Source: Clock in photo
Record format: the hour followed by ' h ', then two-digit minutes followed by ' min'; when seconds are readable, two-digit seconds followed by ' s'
4 h 05 min
